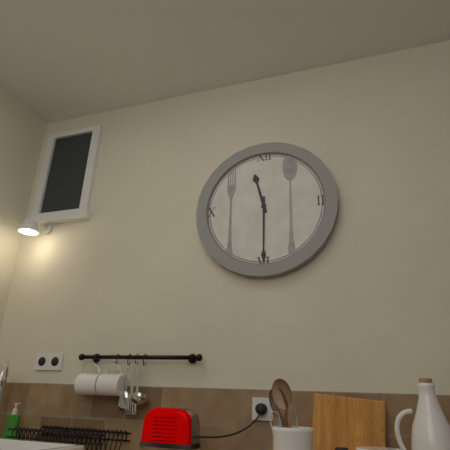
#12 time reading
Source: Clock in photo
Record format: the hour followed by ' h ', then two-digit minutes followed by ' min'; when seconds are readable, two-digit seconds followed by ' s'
11 h 30 min
